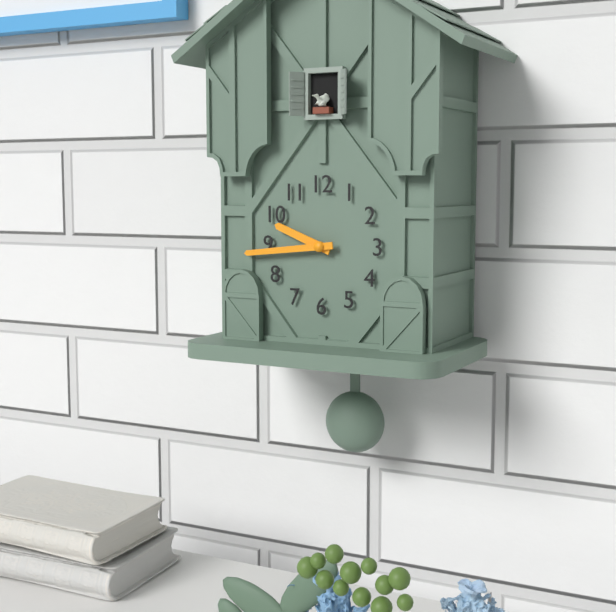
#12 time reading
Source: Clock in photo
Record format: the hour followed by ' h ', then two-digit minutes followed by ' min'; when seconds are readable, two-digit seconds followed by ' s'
9 h 44 min
